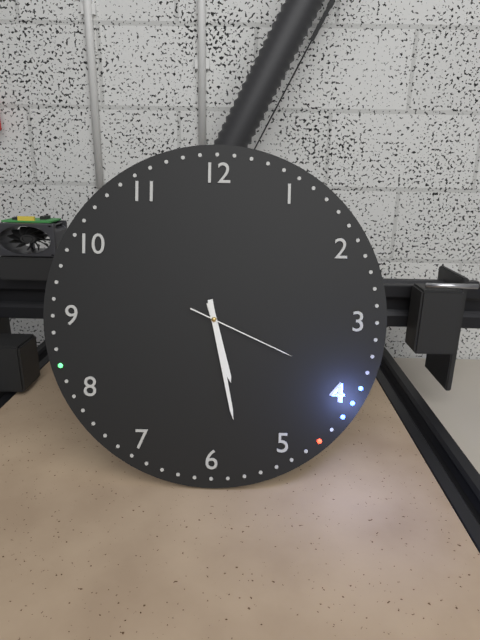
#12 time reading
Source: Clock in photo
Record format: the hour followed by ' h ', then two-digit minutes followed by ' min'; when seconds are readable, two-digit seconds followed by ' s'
5 h 28 min 19 s
